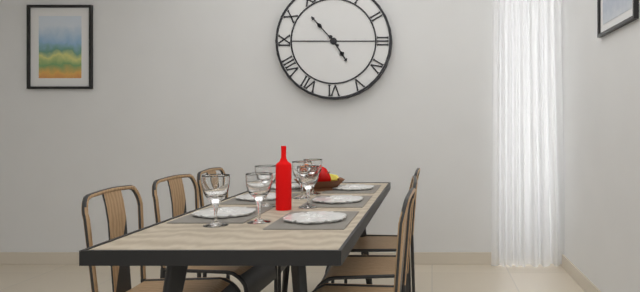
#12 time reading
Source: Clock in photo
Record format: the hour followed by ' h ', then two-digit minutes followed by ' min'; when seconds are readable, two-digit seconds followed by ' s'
4 h 53 min
